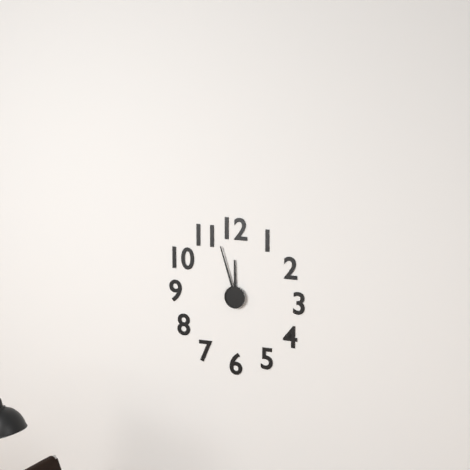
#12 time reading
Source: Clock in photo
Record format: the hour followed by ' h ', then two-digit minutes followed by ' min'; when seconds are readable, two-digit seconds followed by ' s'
11 h 57 min
